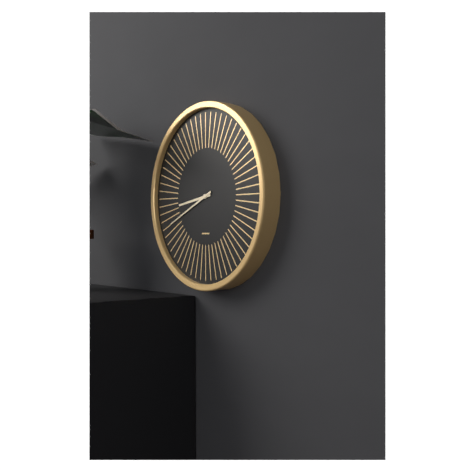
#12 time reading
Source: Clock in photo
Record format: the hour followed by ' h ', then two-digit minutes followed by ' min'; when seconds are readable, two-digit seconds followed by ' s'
8 h 41 min
